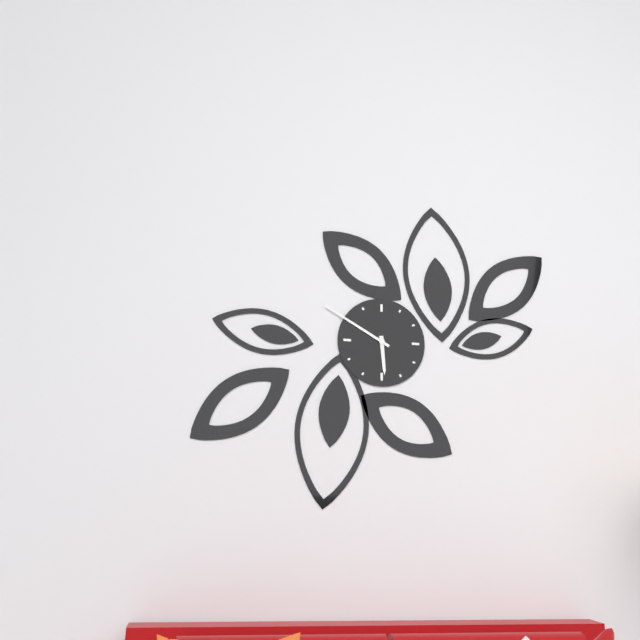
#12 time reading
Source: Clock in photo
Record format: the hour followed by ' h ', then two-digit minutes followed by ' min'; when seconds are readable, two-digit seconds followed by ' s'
5 h 50 min
